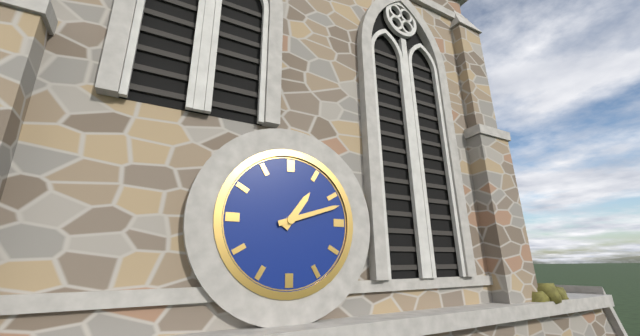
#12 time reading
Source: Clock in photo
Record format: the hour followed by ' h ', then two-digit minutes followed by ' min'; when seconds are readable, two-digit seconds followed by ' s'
1 h 12 min
